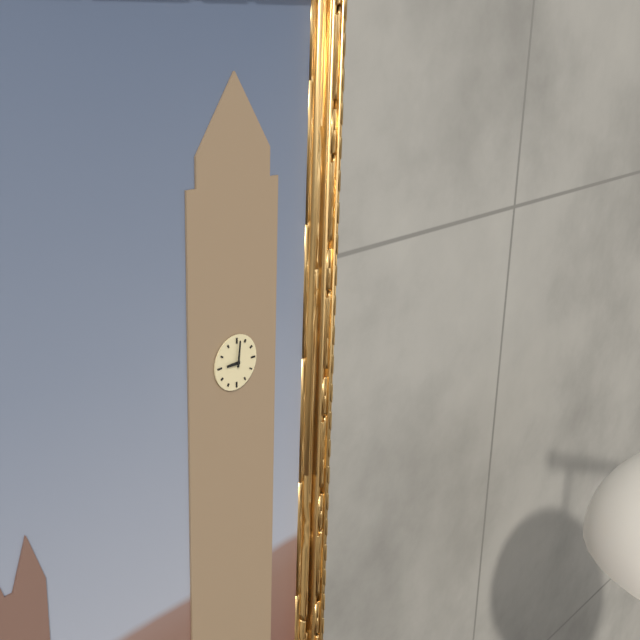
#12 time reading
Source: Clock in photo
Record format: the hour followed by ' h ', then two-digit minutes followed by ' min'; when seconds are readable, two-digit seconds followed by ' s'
9 h 01 min
